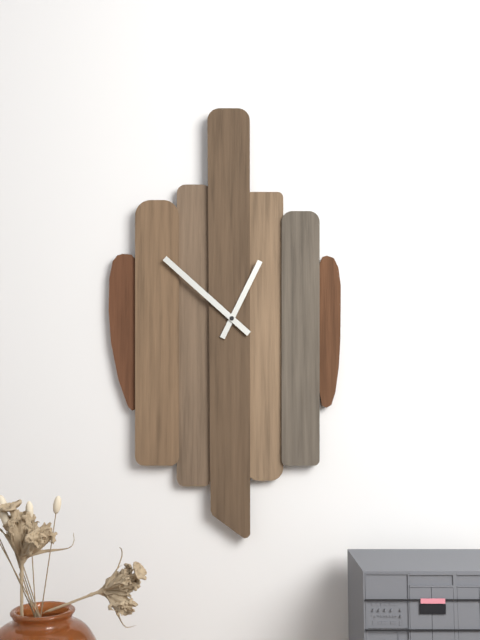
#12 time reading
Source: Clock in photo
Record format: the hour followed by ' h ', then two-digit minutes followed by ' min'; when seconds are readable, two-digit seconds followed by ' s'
12 h 52 min
